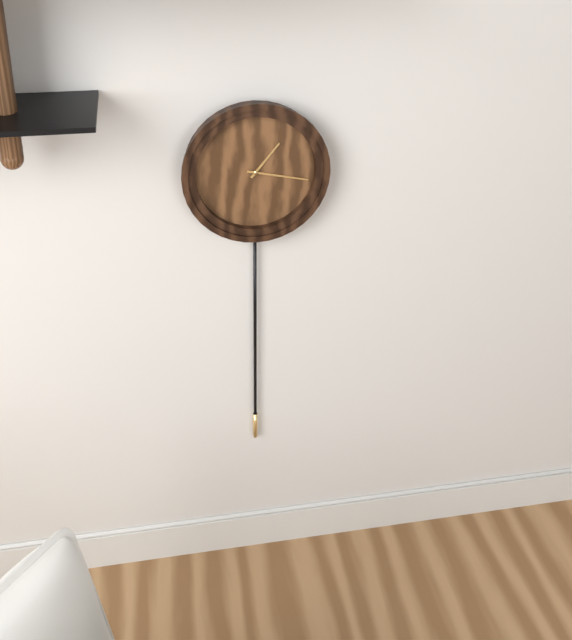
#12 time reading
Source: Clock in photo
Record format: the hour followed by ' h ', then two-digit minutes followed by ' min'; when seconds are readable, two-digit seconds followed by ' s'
1 h 17 min
